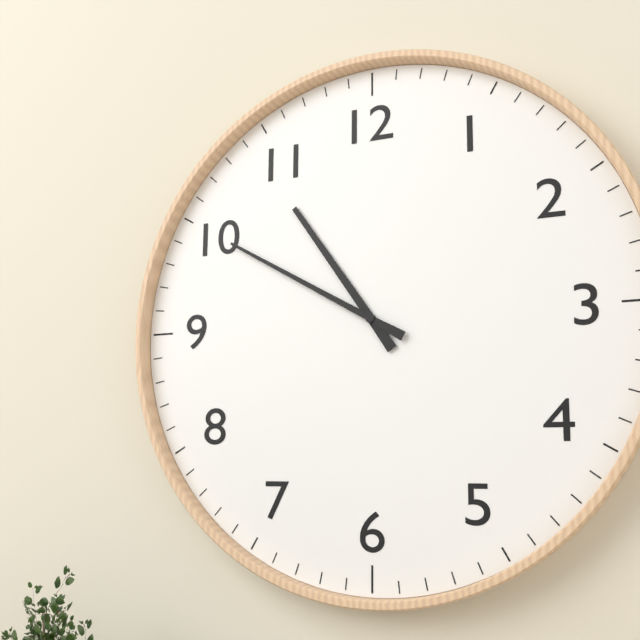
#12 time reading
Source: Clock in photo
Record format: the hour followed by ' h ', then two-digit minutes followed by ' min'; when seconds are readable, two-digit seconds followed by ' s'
10 h 50 min
